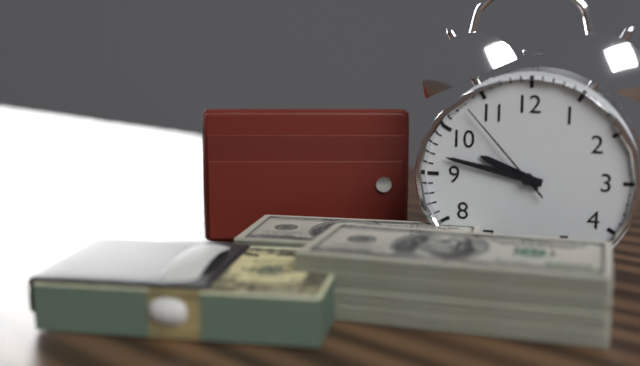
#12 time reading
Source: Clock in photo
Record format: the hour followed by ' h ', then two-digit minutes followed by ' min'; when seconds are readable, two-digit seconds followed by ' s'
9 h 47 min 53 s
